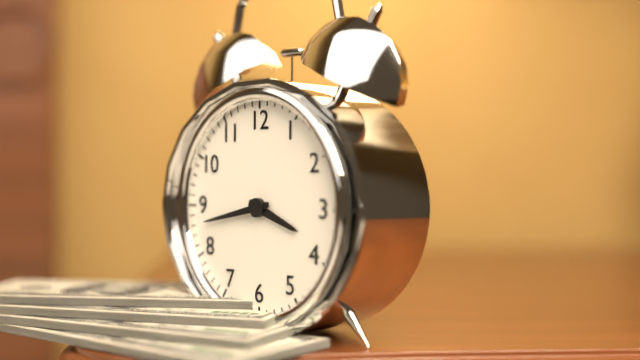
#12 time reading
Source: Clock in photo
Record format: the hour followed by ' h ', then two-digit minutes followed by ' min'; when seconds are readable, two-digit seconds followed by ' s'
3 h 43 min
